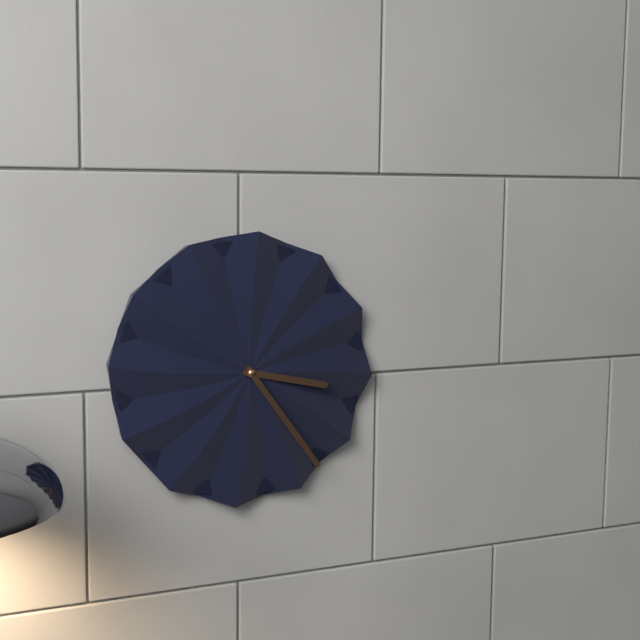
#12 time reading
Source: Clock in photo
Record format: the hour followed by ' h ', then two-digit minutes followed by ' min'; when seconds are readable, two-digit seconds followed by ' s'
3 h 24 min
